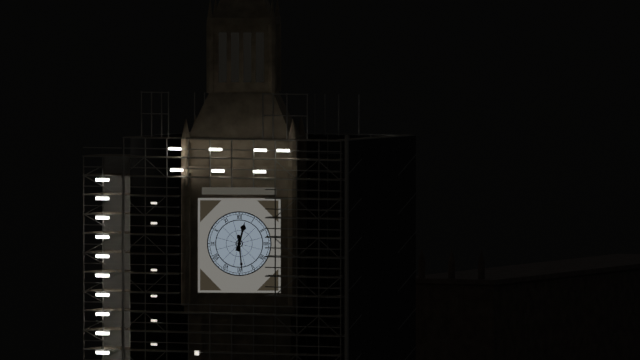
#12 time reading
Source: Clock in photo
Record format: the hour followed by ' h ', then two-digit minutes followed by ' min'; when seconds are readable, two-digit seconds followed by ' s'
12 h 29 min
